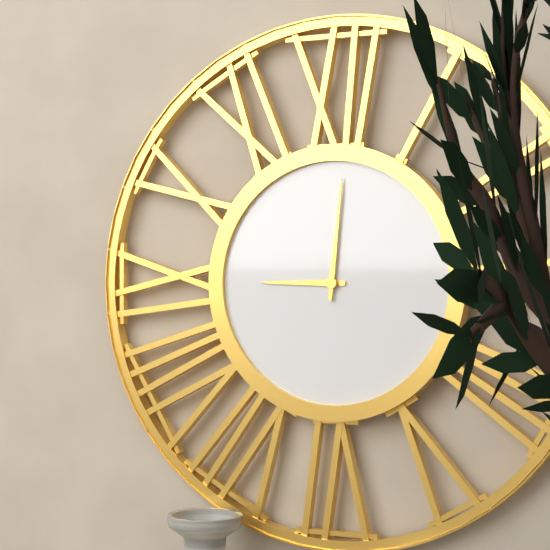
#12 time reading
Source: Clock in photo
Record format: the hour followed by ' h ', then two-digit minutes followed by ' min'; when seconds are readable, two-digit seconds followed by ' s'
9 h 01 min
